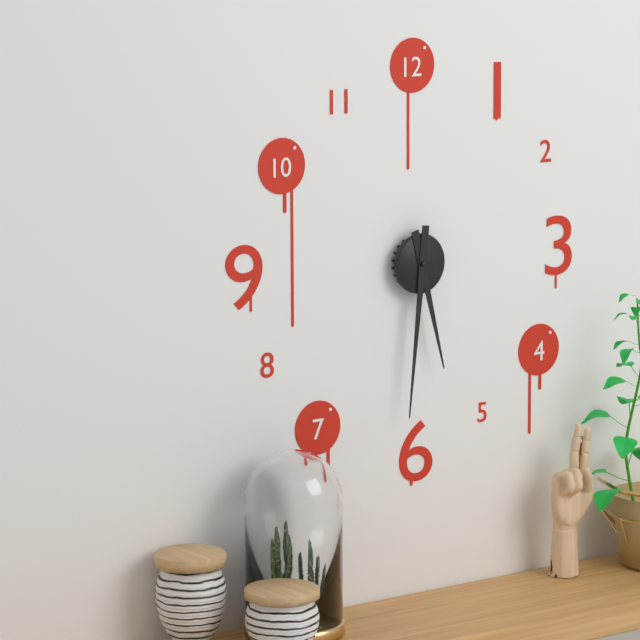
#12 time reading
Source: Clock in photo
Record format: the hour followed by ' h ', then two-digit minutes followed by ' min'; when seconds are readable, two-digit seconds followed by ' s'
5 h 31 min
